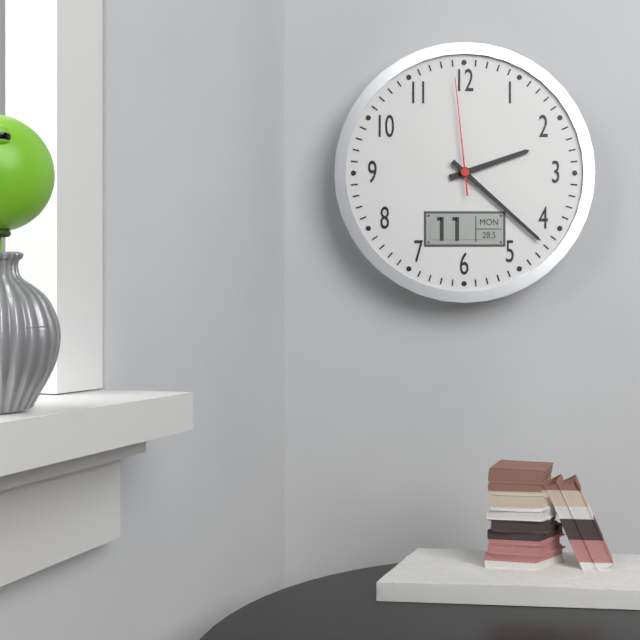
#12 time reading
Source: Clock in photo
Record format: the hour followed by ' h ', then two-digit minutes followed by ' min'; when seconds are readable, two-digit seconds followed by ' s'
2 h 22 min 59 s
